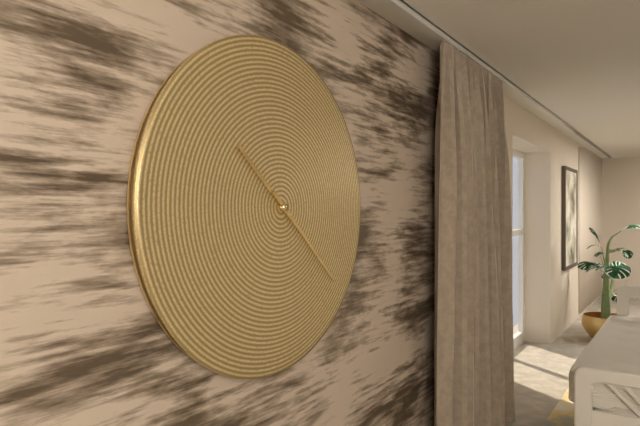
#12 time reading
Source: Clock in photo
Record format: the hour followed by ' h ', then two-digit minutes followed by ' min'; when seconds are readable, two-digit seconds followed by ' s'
10 h 22 min
